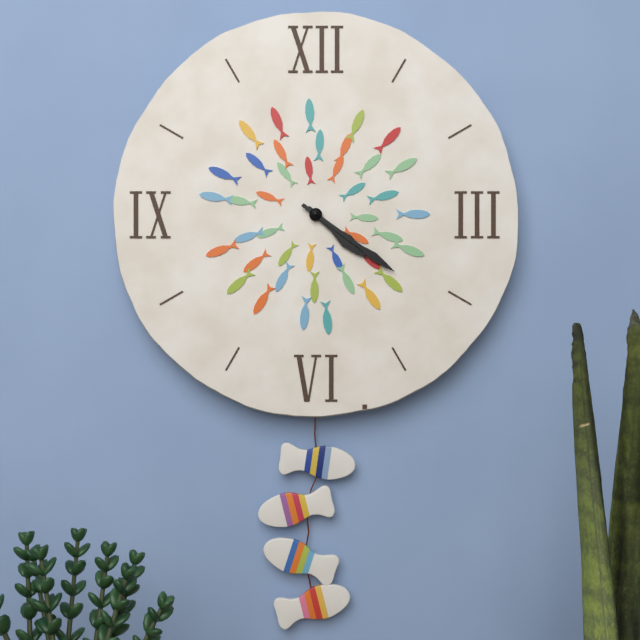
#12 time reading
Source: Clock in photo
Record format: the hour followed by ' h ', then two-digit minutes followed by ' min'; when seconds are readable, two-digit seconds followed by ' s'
4 h 21 min
